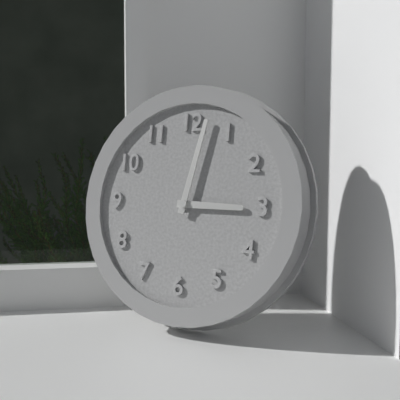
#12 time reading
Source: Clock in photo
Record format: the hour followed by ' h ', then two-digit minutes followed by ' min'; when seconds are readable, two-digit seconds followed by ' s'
3 h 02 min
